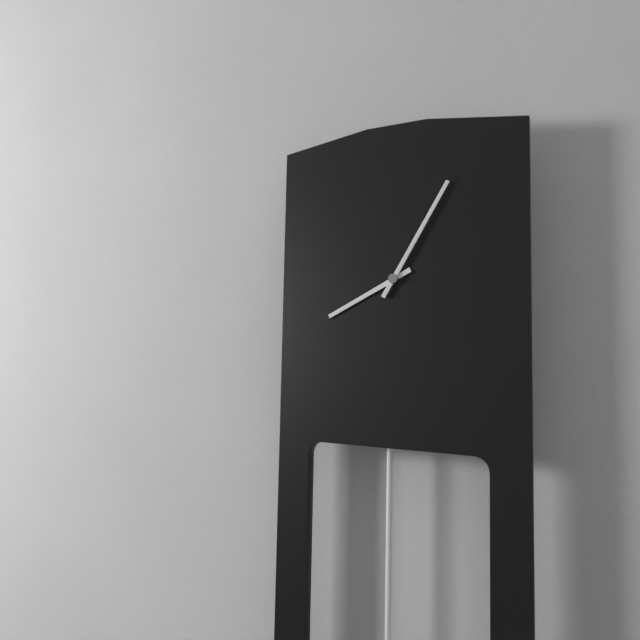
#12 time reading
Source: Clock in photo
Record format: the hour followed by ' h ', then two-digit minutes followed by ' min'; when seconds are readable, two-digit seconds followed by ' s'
8 h 05 min
